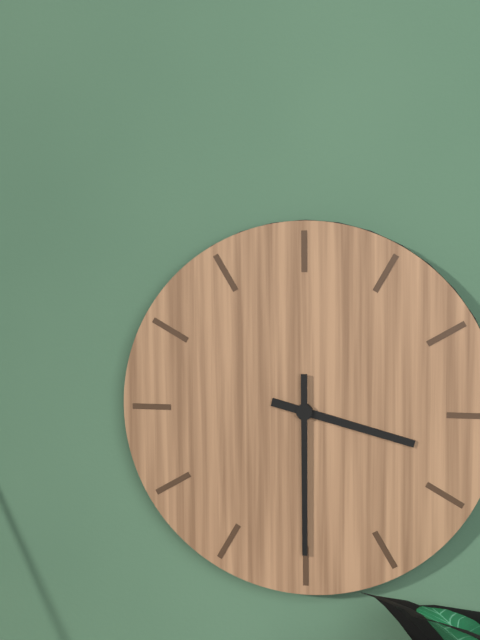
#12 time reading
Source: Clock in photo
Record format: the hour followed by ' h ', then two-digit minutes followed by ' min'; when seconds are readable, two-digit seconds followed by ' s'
3 h 30 min
